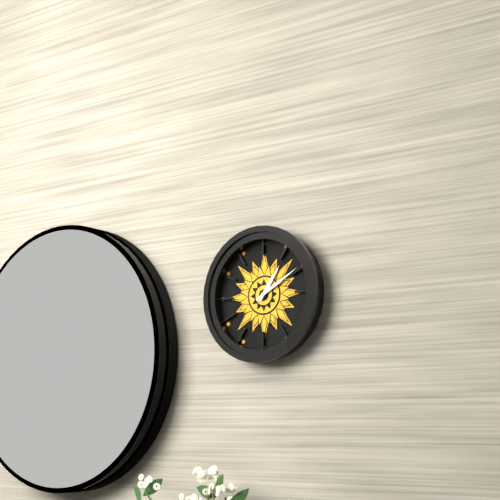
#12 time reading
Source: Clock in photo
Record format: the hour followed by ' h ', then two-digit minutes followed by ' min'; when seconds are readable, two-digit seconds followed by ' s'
1 h 10 min
